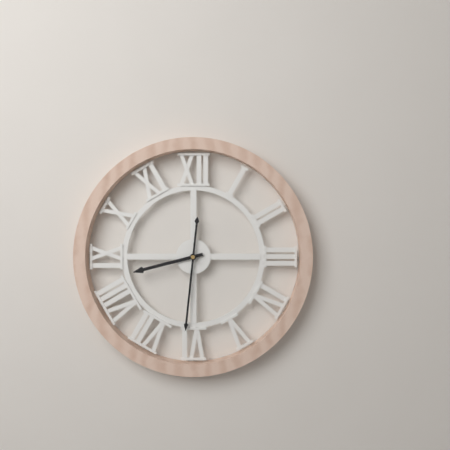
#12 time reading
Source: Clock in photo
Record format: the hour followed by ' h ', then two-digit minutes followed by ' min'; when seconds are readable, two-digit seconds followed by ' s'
8 h 31 min
